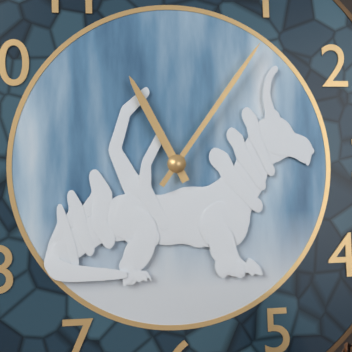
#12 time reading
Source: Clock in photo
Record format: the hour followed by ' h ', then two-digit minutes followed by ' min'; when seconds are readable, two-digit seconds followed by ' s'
11 h 06 min
